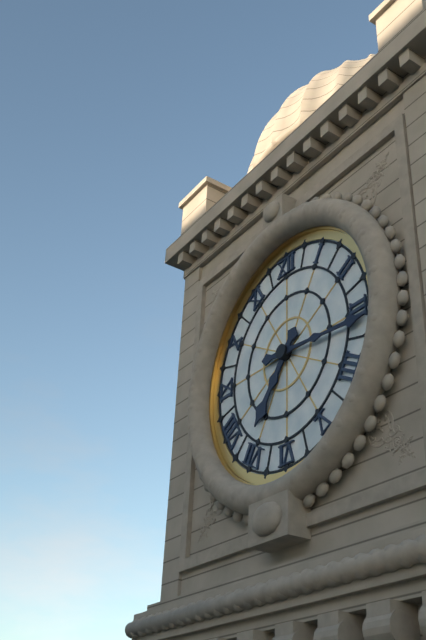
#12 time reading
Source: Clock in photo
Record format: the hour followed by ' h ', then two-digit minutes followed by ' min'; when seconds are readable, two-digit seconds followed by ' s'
7 h 16 min
